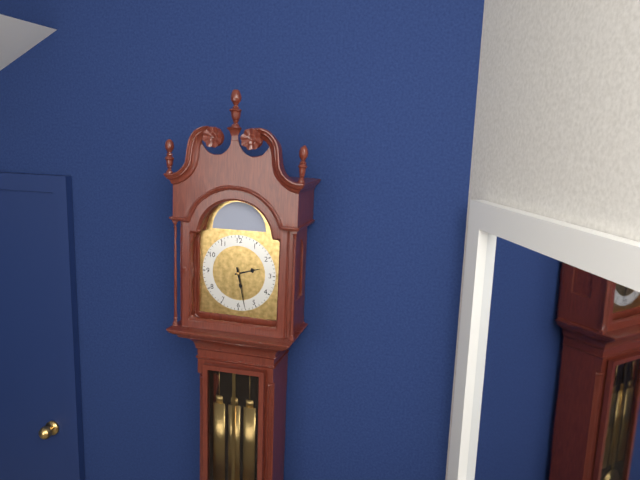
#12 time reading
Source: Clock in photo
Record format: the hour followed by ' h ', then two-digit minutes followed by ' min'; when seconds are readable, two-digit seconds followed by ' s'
2 h 28 min
